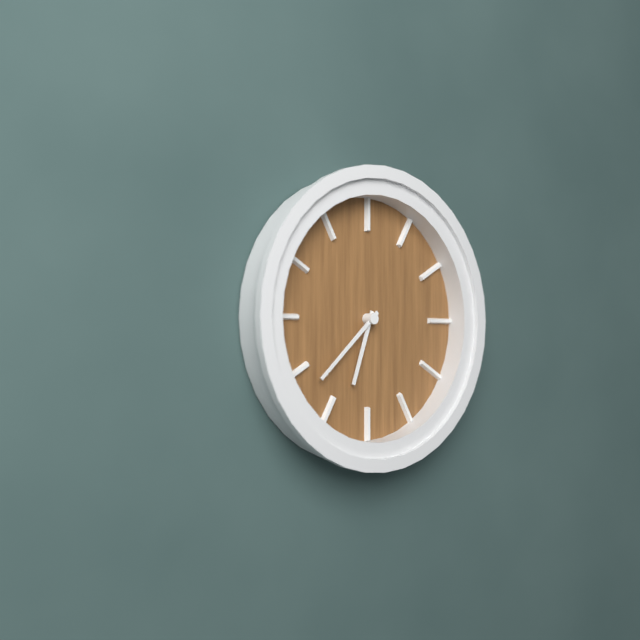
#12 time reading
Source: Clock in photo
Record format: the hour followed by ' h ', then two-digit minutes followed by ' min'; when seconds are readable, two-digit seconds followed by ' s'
6 h 38 min
